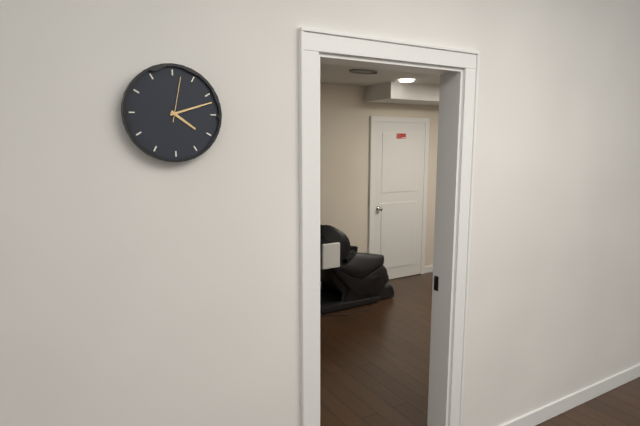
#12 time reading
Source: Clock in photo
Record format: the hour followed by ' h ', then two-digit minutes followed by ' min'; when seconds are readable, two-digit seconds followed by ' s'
4 h 12 min
